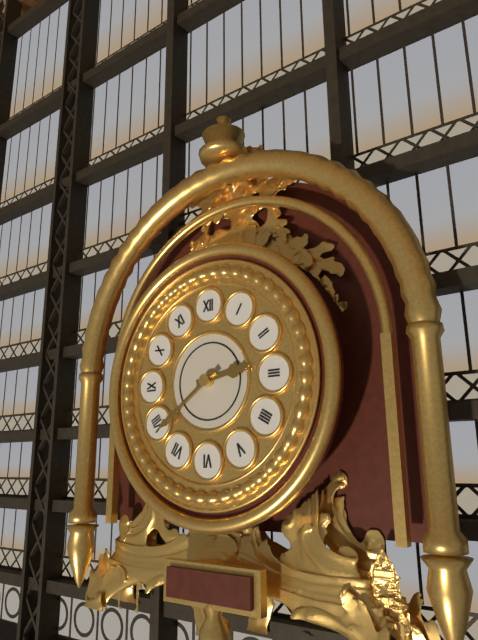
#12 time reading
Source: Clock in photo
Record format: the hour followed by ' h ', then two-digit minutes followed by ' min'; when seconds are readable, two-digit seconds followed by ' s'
2 h 39 min
